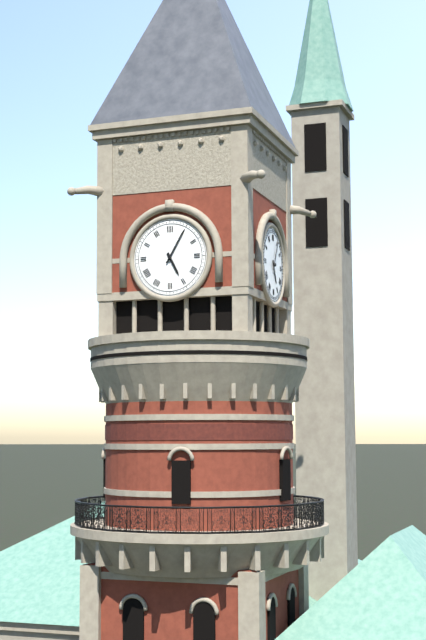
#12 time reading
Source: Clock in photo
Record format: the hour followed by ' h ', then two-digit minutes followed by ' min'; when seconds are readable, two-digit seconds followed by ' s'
5 h 05 min
